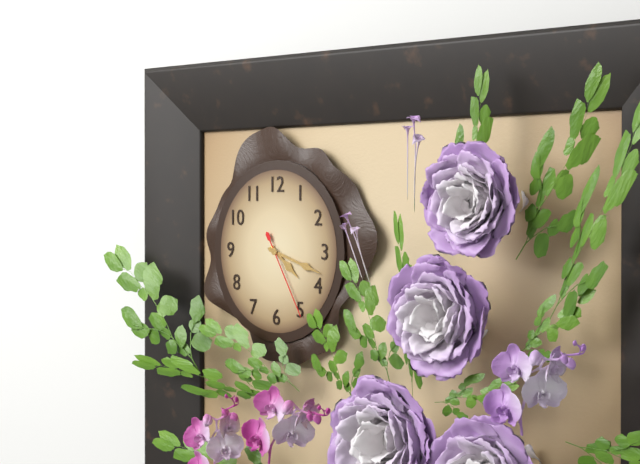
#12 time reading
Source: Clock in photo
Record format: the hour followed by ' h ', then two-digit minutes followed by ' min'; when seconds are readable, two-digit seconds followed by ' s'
4 h 18 min 25 s
